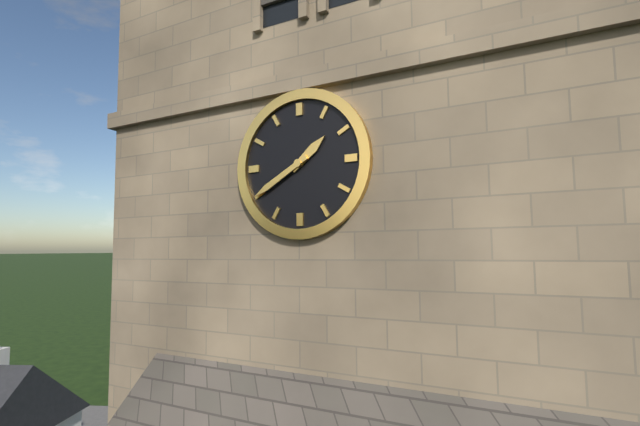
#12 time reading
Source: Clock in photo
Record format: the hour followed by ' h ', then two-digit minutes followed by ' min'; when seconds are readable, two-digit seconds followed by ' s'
1 h 40 min
